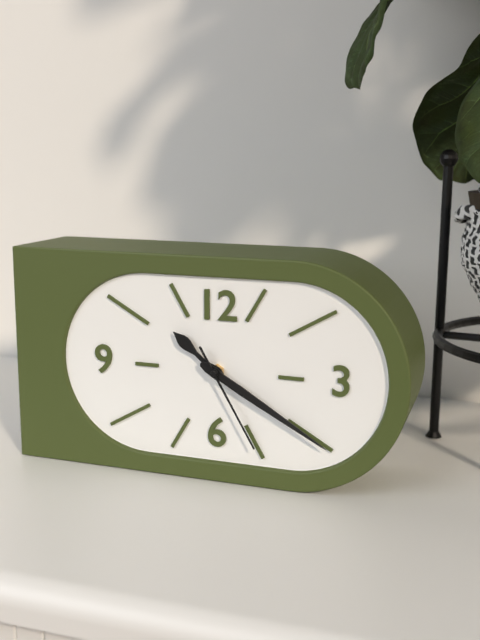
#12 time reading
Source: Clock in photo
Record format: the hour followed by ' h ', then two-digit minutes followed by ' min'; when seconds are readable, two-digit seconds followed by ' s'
10 h 20 min 25 s
